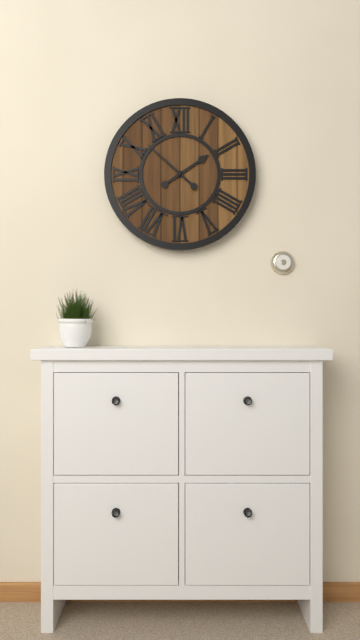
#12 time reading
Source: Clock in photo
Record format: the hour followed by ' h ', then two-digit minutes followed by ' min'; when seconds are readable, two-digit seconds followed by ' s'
1 h 52 min
